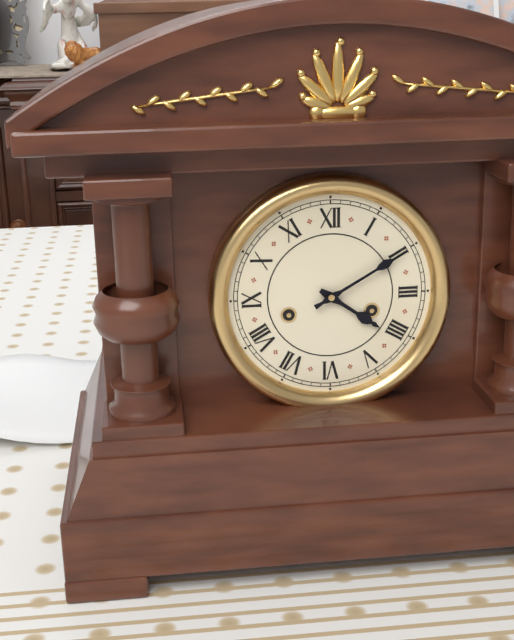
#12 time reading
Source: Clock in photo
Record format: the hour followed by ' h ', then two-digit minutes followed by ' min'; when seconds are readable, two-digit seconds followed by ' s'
4 h 10 min
